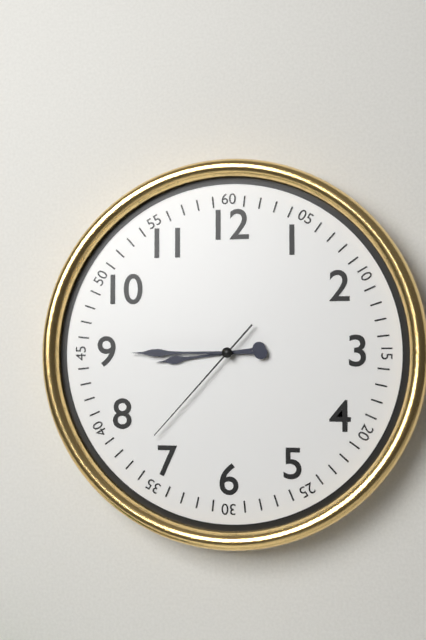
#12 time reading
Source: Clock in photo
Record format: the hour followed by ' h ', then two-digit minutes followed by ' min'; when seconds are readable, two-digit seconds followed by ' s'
8 h 45 min 37 s
